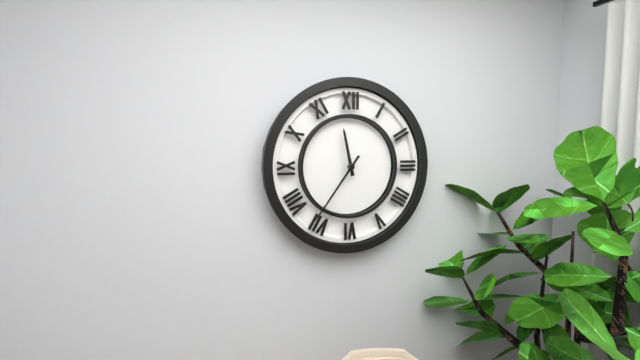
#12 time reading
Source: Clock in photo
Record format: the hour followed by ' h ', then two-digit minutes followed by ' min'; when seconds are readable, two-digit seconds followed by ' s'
11 h 36 min
